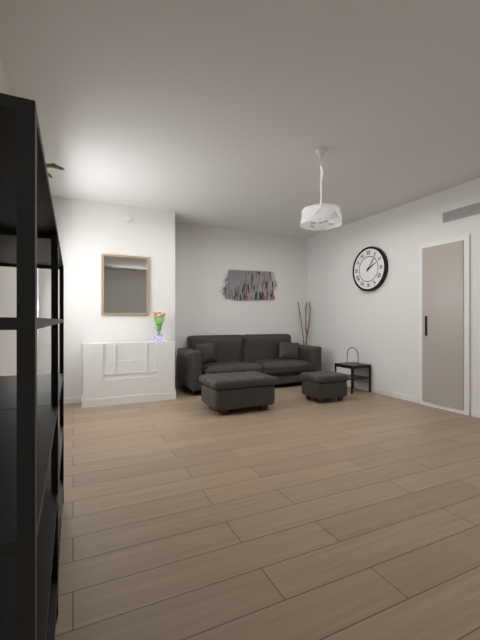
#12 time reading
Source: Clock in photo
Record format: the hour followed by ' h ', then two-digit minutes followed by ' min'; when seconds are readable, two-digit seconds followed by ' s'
2 h 06 min
